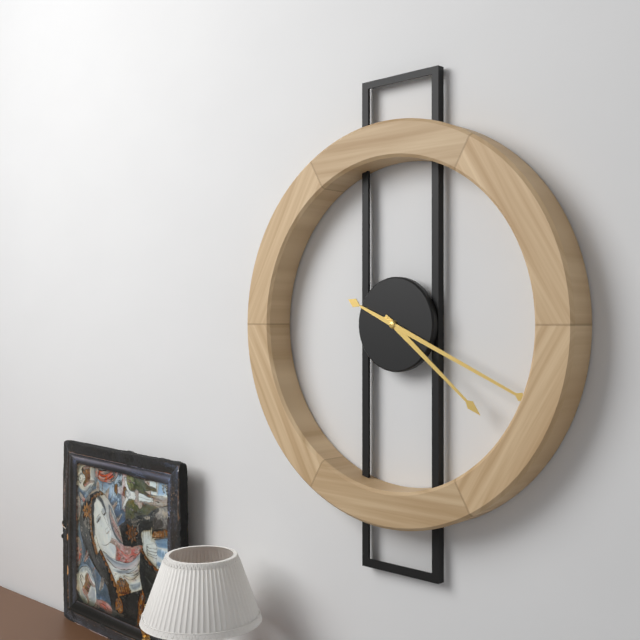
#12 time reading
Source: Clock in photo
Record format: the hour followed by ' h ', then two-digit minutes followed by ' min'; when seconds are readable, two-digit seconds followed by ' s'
4 h 19 min
